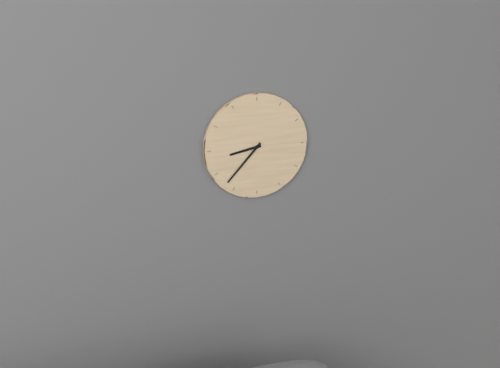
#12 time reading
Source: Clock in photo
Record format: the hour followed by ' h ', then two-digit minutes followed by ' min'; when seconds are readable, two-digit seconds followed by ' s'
8 h 37 min
